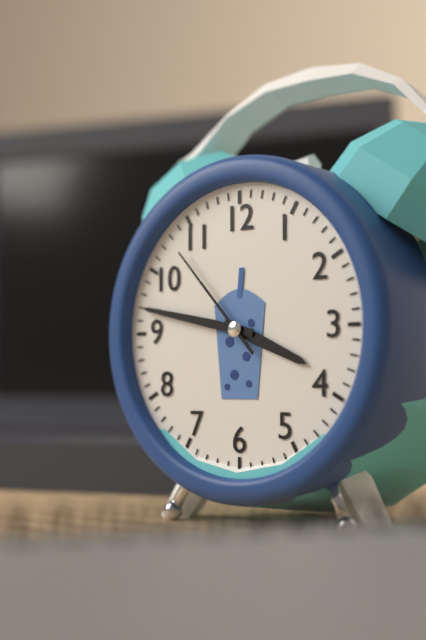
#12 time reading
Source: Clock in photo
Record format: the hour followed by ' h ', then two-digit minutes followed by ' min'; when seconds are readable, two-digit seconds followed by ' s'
3 h 47 min 53 s
